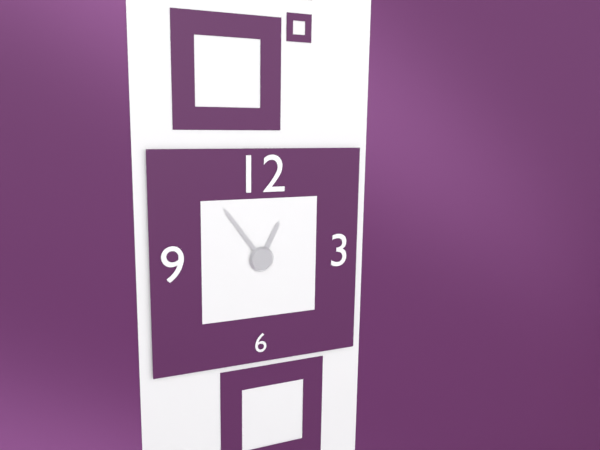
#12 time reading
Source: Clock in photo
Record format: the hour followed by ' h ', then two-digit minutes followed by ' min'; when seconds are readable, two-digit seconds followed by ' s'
12 h 54 min
